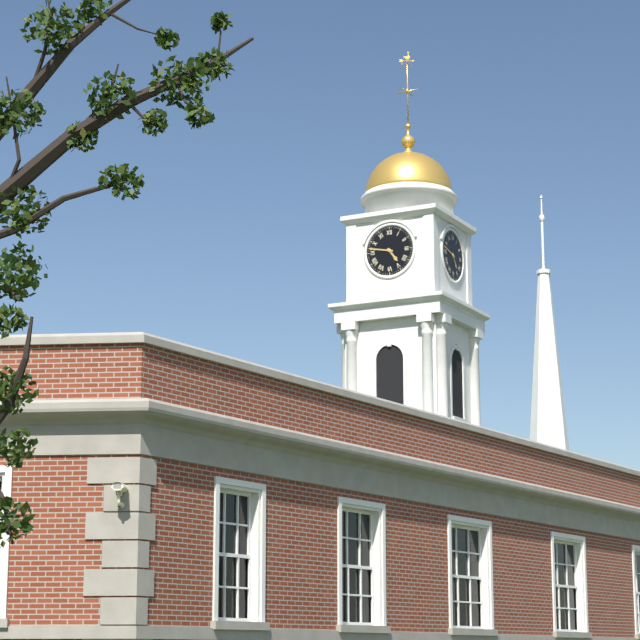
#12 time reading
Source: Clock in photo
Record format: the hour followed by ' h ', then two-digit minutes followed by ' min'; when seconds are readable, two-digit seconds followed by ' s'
4 h 47 min
